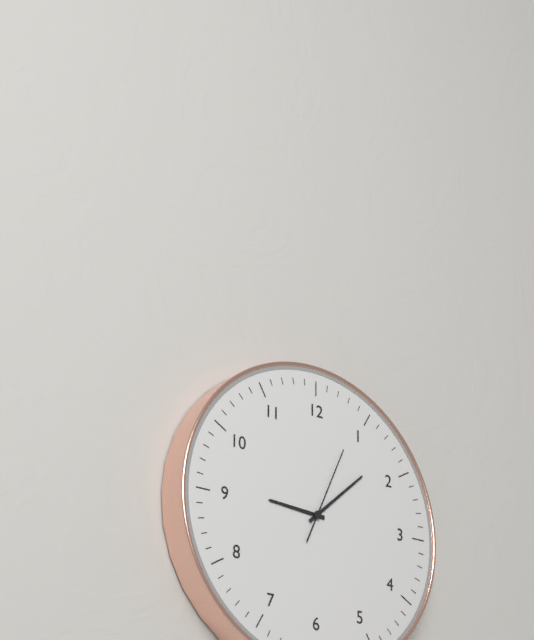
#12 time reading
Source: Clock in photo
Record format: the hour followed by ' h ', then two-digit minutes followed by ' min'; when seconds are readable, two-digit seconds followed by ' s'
9 h 08 min 04 s
